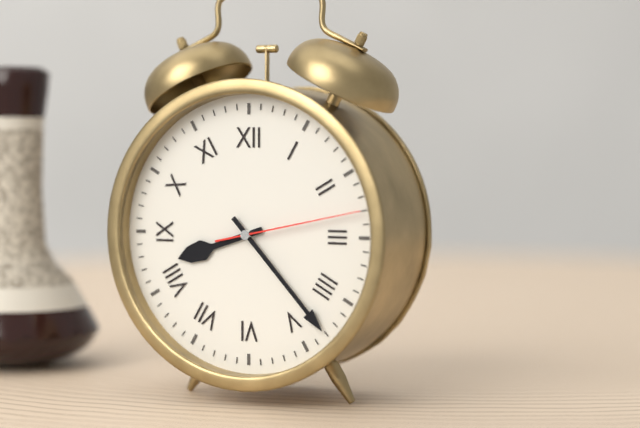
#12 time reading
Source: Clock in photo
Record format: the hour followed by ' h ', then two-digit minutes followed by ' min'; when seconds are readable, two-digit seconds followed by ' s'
8 h 23 min 13 s
